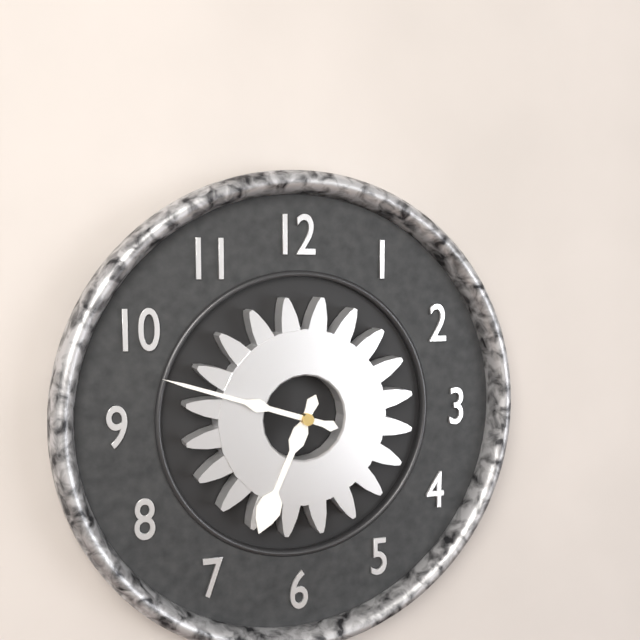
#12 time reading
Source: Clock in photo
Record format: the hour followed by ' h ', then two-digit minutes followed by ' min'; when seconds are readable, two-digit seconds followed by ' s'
6 h 48 min
